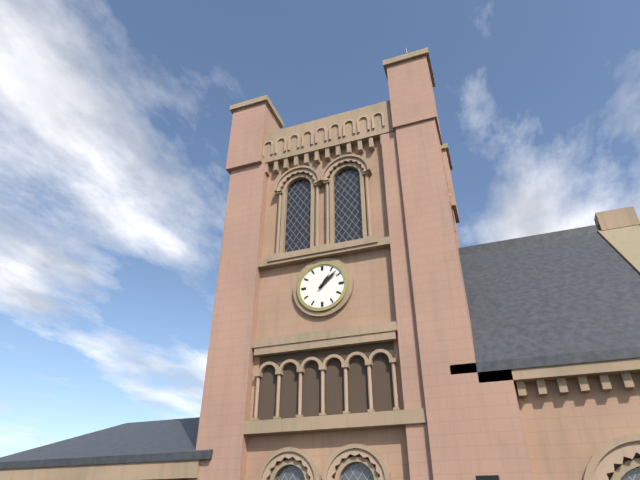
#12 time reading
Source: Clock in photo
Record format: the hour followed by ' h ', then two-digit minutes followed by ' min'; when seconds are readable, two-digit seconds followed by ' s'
1 h 08 min
